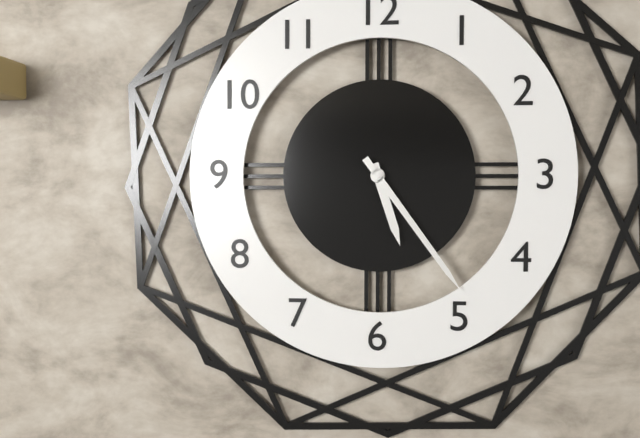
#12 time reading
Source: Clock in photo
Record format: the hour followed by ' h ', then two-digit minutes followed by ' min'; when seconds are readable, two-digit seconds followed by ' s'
5 h 24 min
